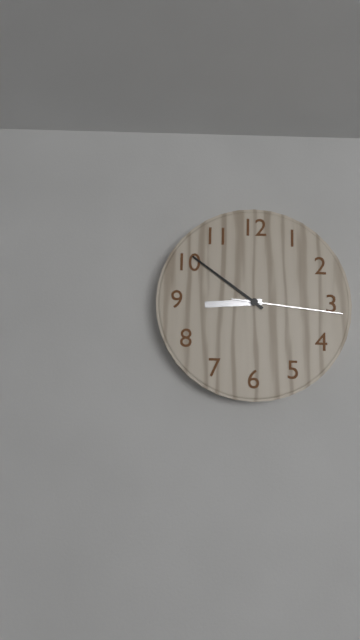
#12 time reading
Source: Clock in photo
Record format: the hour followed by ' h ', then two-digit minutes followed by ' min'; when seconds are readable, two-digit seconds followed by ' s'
8 h 51 min 16 s
